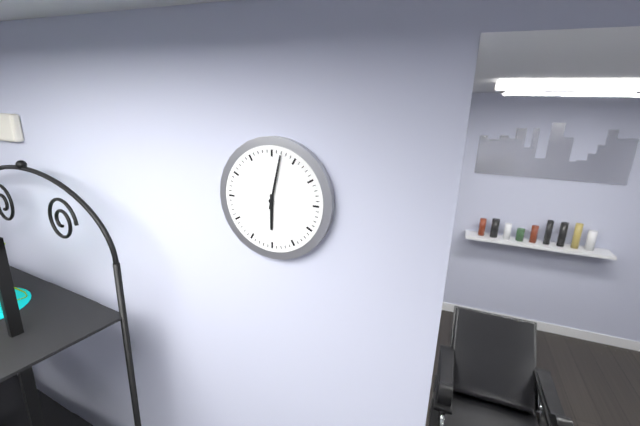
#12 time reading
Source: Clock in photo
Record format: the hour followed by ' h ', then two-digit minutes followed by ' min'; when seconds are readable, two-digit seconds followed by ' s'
6 h 02 min
